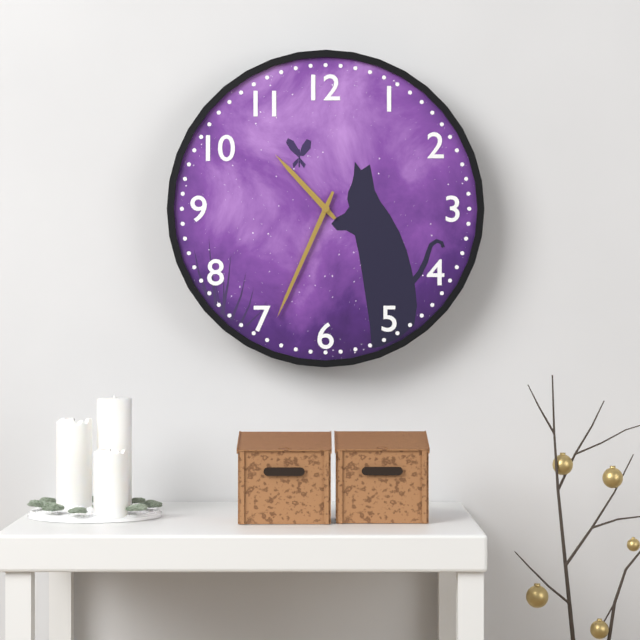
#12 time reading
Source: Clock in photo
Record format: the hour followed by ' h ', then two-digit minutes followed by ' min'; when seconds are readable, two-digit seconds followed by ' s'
10 h 34 min
